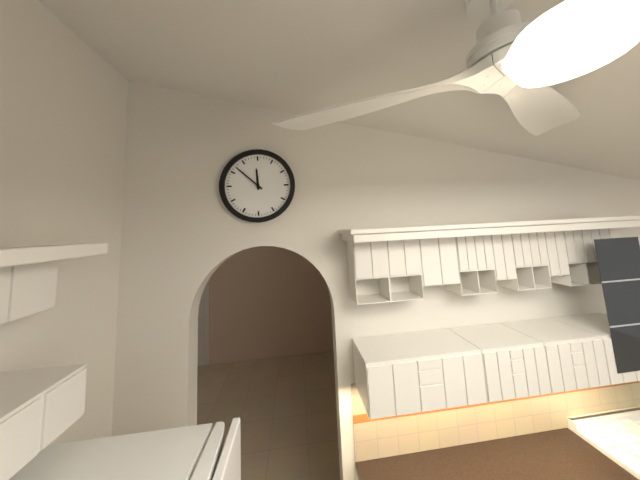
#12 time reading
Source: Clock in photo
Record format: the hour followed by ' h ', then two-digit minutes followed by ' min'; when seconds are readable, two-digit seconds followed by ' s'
11 h 52 min
